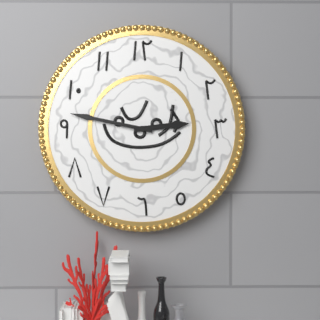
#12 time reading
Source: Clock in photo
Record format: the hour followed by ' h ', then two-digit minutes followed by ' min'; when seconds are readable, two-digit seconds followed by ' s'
2 h 47 min
